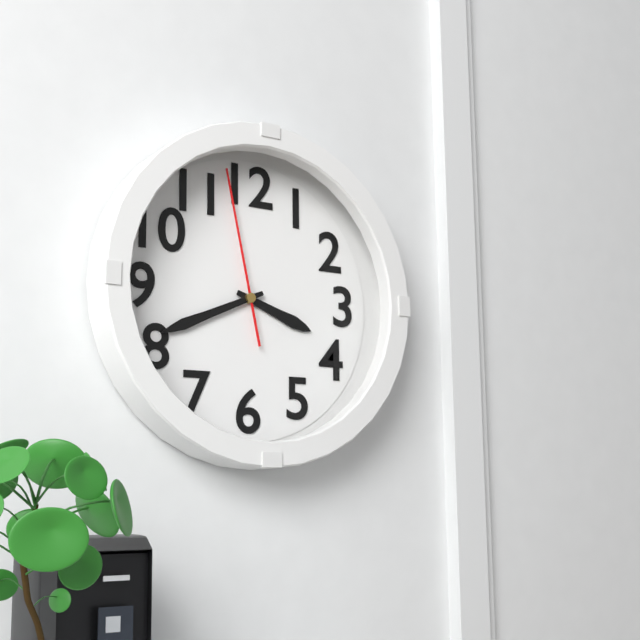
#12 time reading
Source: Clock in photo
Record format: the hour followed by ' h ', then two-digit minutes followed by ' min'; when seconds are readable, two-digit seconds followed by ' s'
3 h 41 min 58 s
